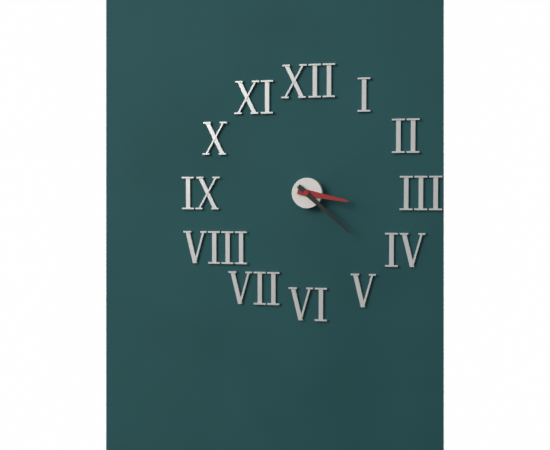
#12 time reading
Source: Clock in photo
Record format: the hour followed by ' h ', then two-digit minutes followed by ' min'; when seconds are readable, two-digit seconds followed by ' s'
3 h 22 min
